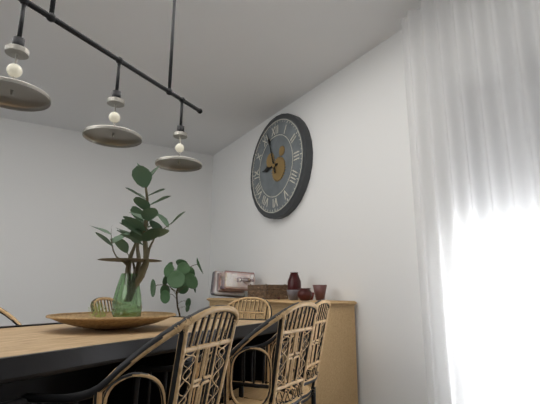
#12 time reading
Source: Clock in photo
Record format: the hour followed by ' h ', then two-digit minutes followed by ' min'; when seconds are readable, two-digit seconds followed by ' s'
8 h 57 min
